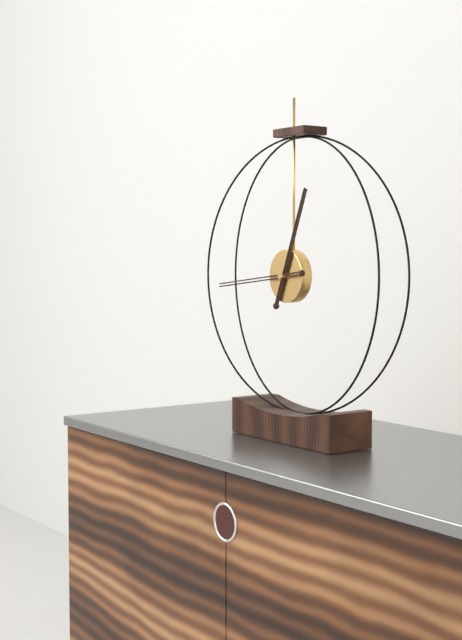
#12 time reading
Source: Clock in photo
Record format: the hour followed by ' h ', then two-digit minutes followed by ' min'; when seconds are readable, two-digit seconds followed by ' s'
12 h 44 min
